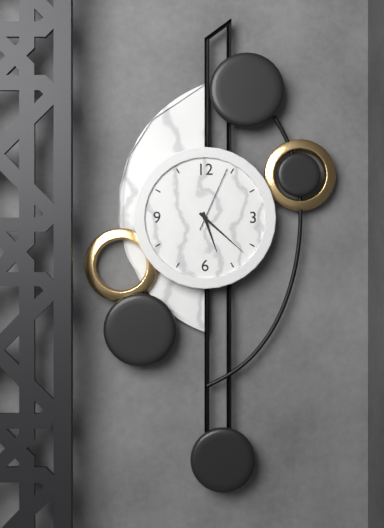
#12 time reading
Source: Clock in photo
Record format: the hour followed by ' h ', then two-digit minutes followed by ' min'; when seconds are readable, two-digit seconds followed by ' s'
5 h 22 min 04 s
